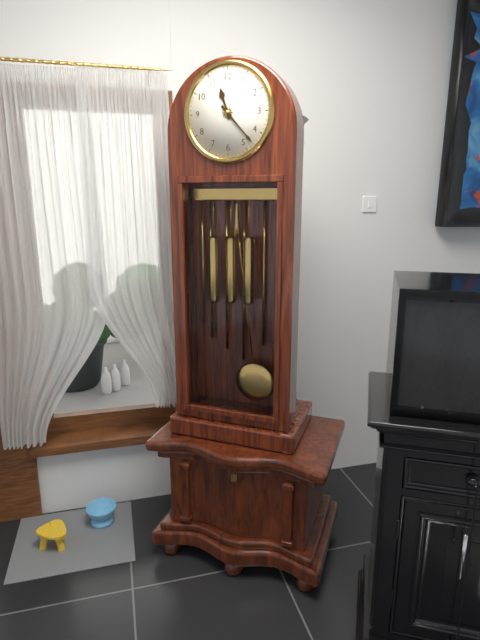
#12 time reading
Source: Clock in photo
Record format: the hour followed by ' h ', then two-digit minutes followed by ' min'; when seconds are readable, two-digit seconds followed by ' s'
11 h 23 min
